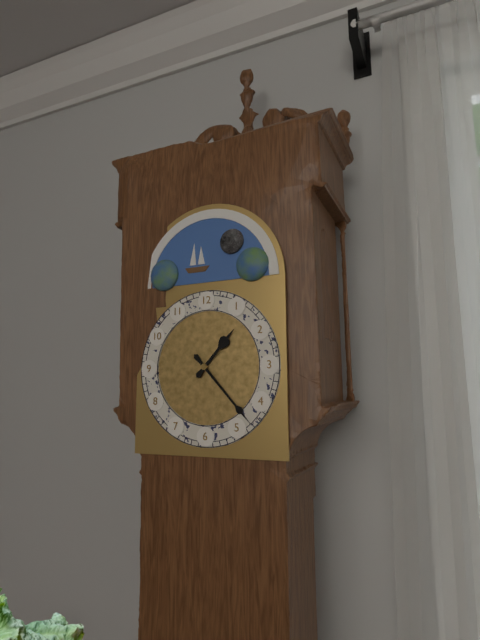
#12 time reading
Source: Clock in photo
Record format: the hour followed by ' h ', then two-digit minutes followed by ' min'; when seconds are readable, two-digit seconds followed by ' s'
1 h 23 min
